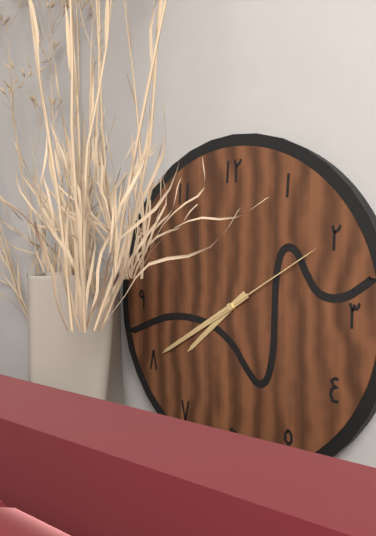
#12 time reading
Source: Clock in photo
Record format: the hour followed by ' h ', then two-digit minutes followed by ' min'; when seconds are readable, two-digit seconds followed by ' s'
7 h 40 min 10 s
